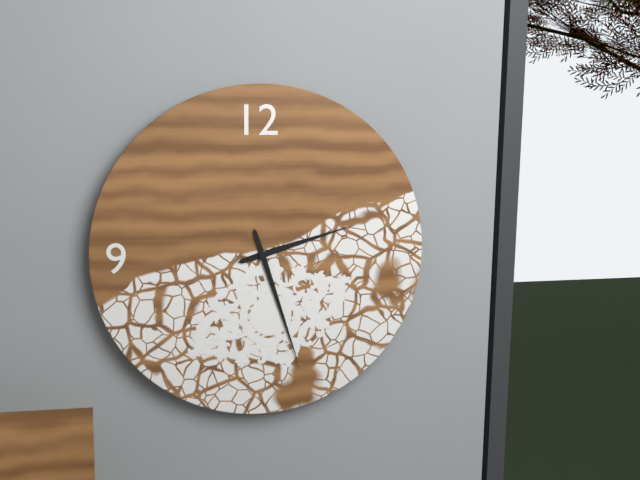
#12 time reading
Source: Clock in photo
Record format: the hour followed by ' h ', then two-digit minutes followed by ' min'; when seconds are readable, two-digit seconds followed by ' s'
2 h 27 min
